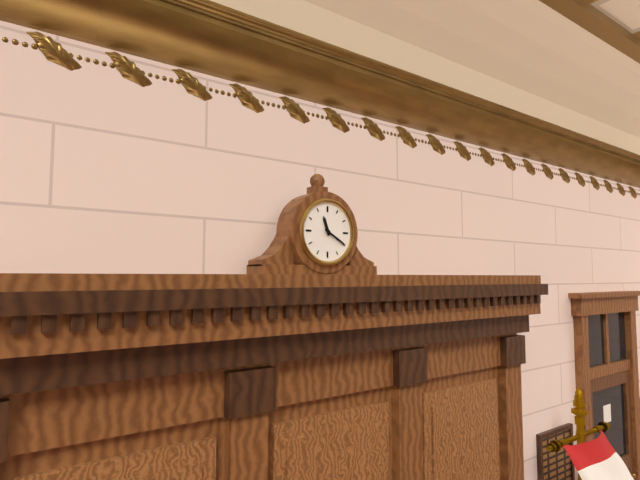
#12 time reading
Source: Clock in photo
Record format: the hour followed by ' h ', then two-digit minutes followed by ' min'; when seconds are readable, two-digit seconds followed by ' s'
11 h 20 min
